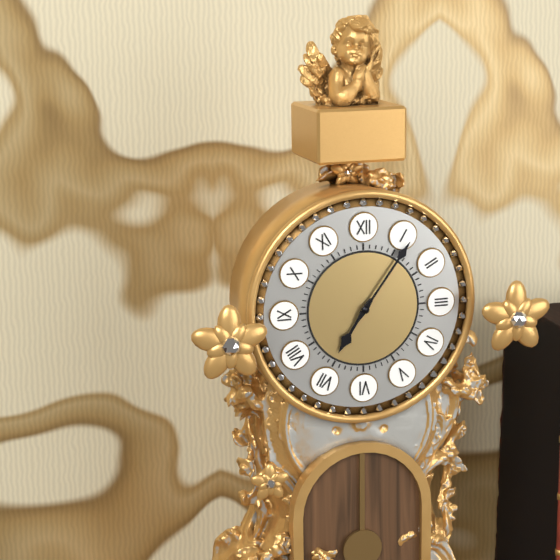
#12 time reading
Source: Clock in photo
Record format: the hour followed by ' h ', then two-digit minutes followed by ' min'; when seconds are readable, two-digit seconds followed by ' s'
7 h 06 min
